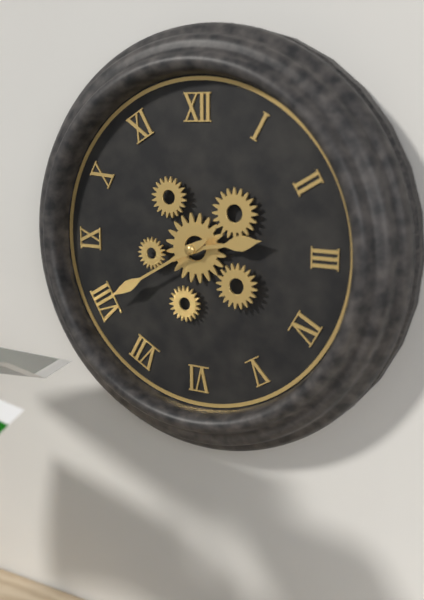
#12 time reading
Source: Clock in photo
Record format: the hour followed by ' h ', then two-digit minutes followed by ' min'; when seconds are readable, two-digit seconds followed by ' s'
2 h 40 min
